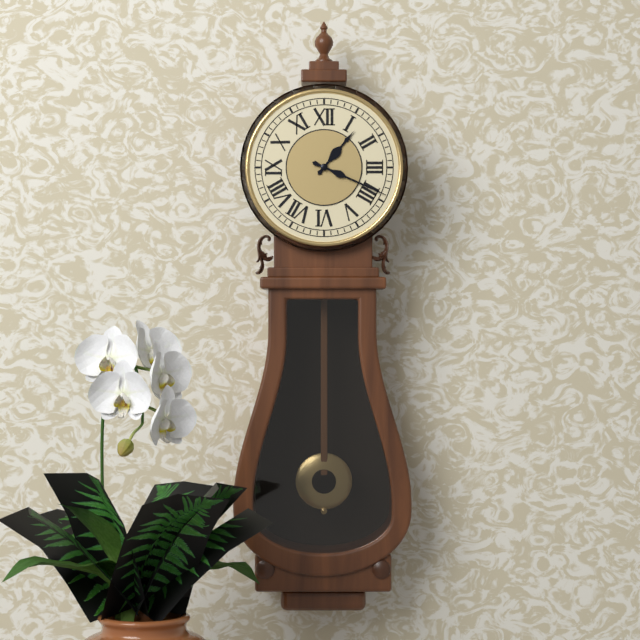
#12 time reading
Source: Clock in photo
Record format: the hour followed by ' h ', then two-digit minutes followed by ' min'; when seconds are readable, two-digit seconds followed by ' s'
1 h 19 min
